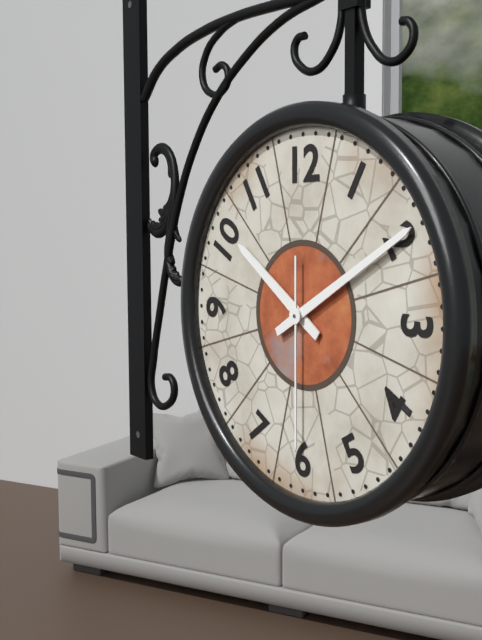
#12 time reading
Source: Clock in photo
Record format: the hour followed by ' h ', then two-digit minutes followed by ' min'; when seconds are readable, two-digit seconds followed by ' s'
10 h 10 min 30 s
